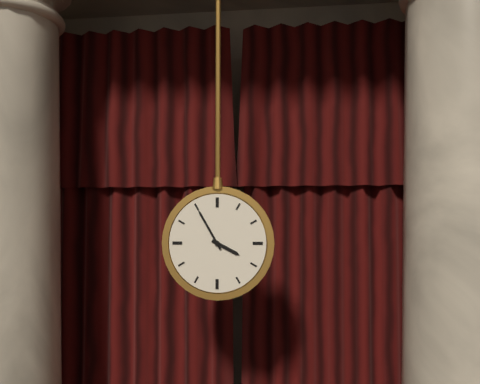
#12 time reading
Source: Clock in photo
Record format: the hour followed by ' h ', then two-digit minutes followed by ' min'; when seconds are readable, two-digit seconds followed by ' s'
3 h 55 min
